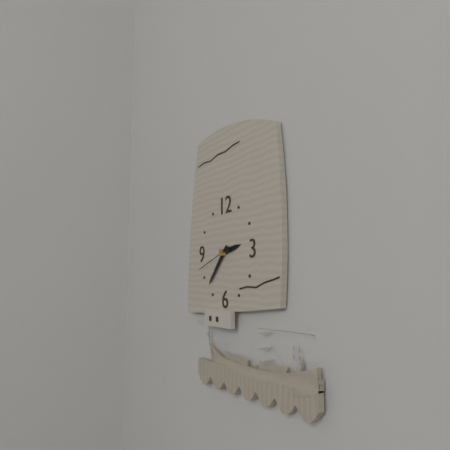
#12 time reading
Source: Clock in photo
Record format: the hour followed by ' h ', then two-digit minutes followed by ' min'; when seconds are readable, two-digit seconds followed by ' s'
2 h 37 min
